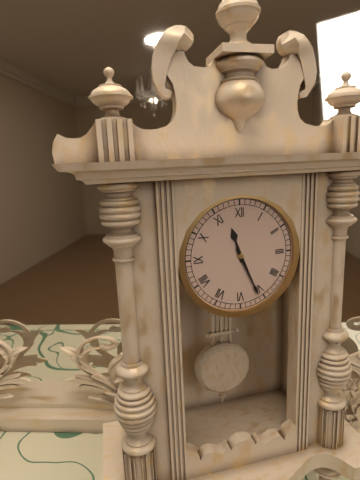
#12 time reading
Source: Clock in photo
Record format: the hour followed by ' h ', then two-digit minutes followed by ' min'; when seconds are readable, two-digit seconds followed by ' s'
11 h 26 min
